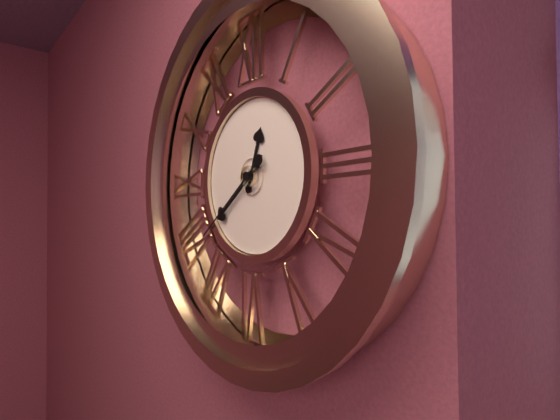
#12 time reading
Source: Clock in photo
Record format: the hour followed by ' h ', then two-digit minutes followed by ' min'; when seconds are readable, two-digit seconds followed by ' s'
12 h 39 min 39 s
